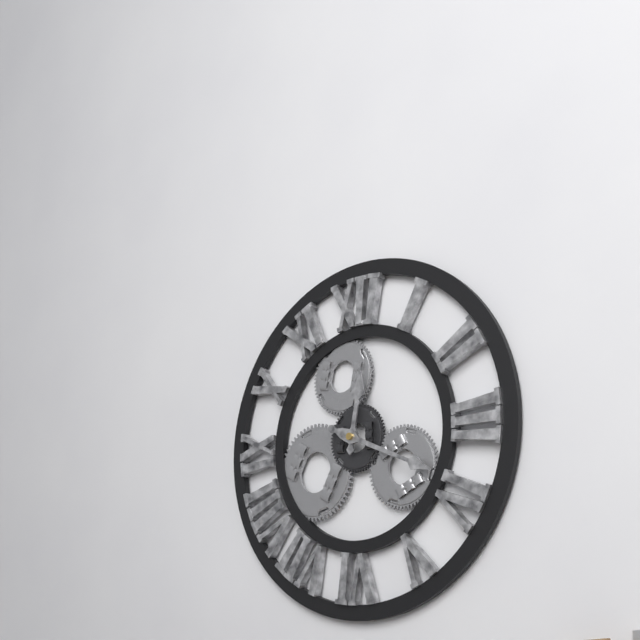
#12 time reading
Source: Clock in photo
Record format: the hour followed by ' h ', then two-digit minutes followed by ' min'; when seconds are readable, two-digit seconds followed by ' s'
12 h 19 min
